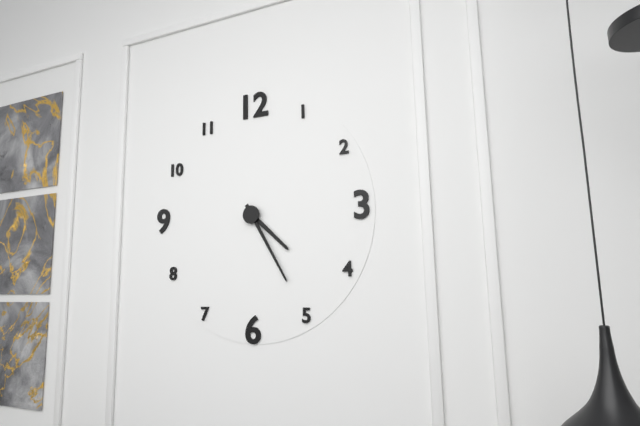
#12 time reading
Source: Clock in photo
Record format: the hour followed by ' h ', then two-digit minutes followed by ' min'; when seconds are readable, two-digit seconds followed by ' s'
4 h 25 min
